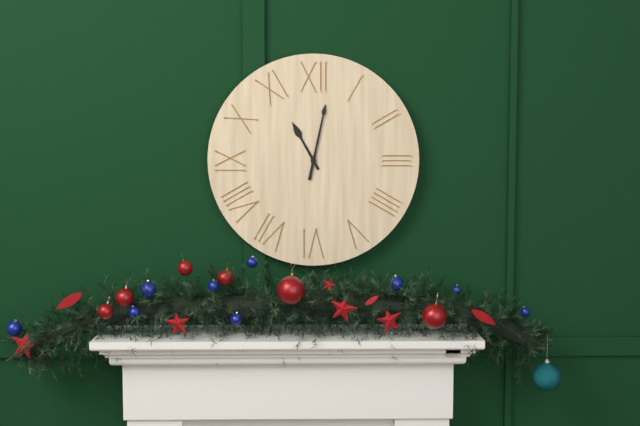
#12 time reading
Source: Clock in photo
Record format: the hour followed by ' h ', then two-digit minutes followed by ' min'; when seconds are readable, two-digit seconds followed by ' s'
11 h 02 min
